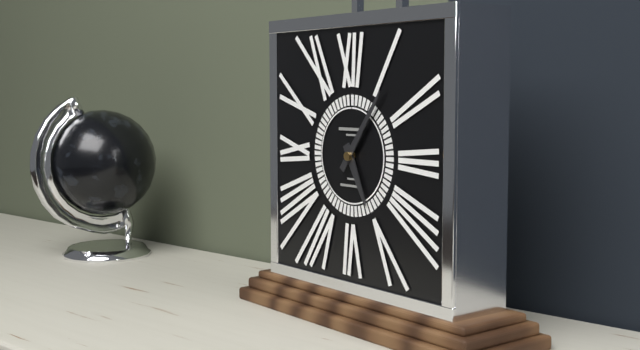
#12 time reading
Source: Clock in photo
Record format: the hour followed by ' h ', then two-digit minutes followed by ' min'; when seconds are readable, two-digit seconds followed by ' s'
5 h 06 min
